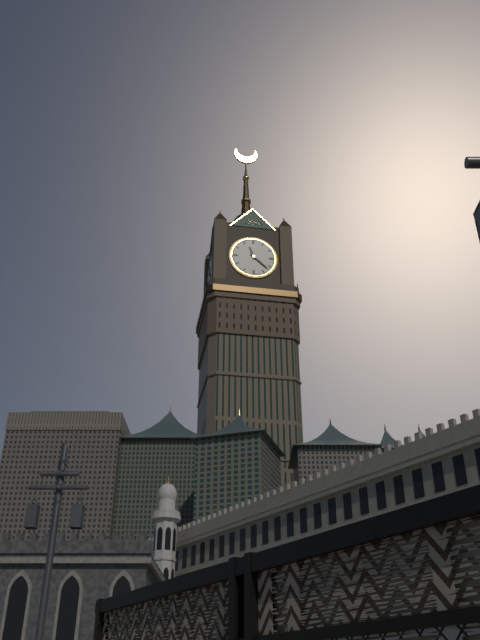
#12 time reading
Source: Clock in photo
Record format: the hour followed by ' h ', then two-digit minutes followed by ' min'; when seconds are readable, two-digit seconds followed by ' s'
11 h 22 min
